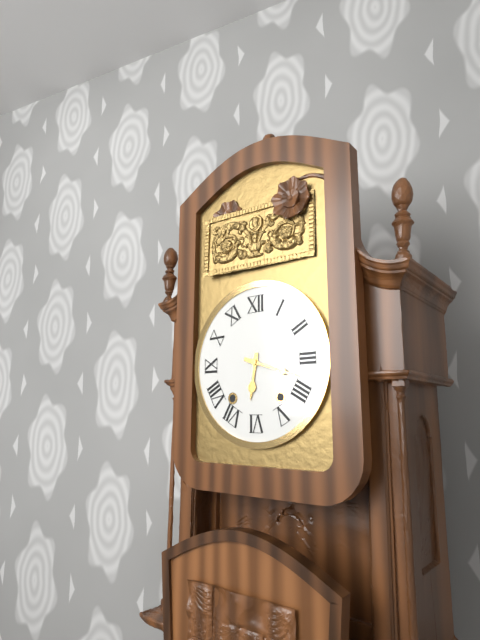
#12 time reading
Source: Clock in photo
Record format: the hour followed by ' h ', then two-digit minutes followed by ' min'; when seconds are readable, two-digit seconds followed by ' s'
6 h 18 min
